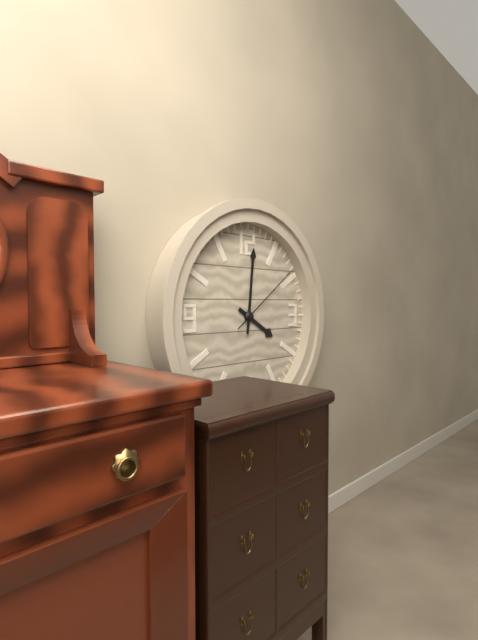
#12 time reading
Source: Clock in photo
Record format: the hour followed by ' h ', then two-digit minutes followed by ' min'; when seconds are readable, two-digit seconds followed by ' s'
4 h 01 min 09 s
